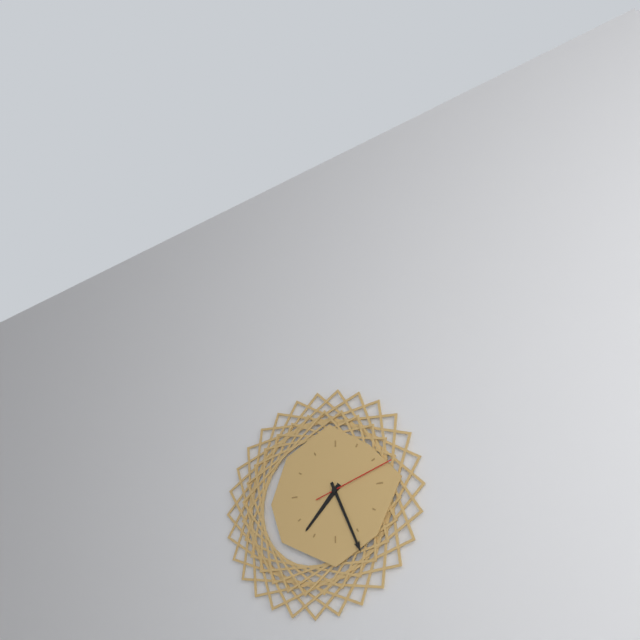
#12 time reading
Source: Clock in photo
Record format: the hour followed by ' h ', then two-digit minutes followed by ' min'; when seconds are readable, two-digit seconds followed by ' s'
7 h 26 min 12 s
